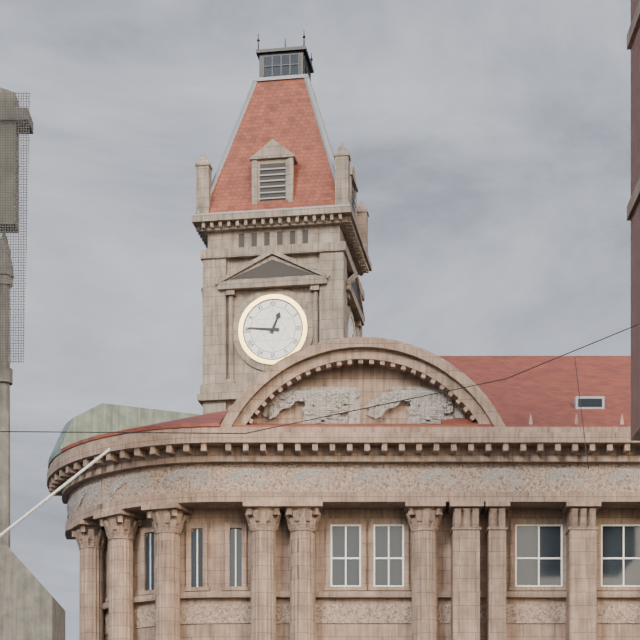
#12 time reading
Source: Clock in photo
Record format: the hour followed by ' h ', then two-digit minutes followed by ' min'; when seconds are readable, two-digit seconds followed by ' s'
12 h 46 min
